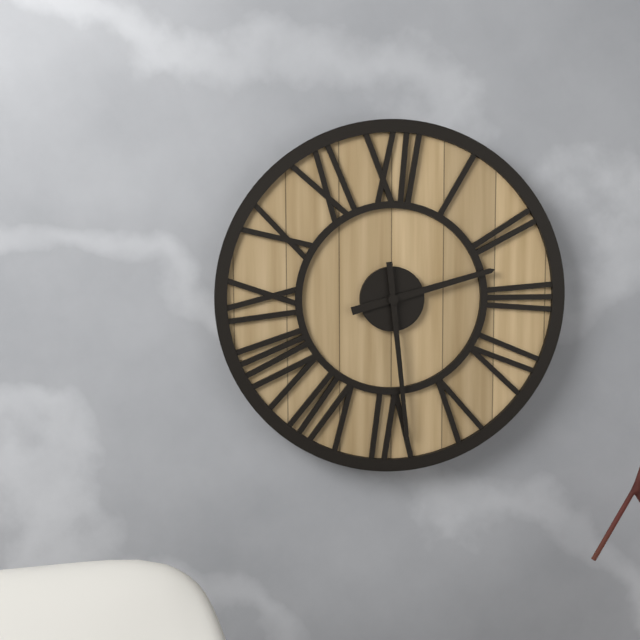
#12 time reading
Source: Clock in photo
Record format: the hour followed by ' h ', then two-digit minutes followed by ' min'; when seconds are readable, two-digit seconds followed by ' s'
2 h 29 min
